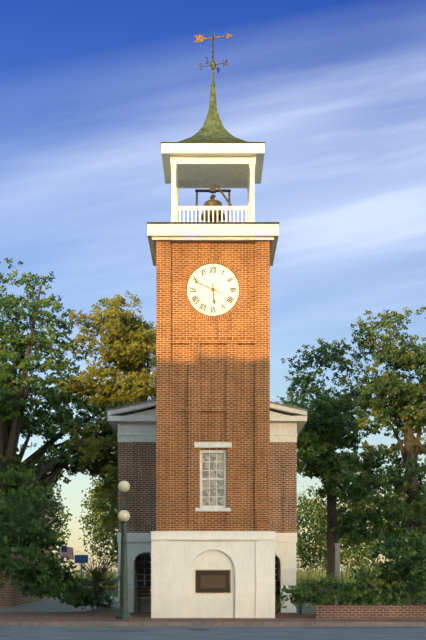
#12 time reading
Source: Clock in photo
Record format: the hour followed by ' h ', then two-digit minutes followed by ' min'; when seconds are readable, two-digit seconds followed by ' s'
5 h 49 min
